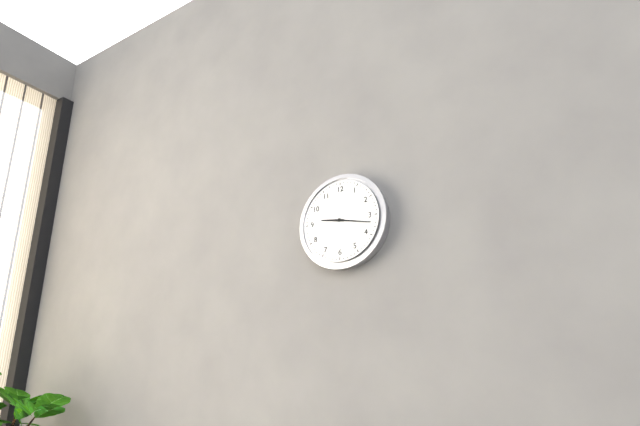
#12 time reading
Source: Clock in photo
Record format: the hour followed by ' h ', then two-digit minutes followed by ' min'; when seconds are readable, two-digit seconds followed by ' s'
9 h 17 min
